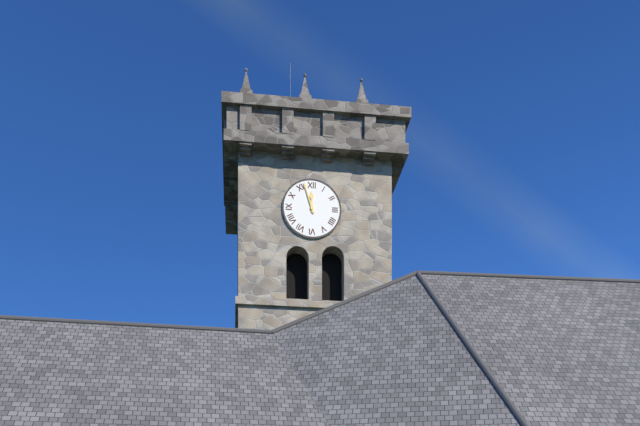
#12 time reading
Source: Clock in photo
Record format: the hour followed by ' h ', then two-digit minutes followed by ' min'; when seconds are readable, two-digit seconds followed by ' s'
11 h 57 min
